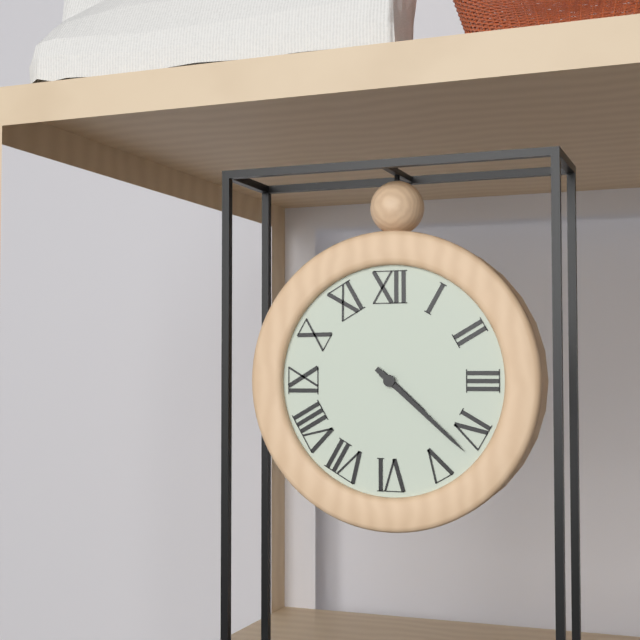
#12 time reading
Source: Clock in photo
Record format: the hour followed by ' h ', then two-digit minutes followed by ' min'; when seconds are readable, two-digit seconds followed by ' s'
4 h 22 min
